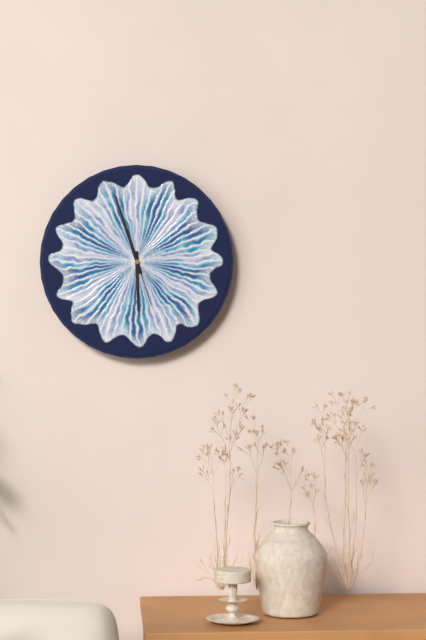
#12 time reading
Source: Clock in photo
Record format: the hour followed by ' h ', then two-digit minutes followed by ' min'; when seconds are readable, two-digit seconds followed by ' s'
5 h 57 min 27 s
